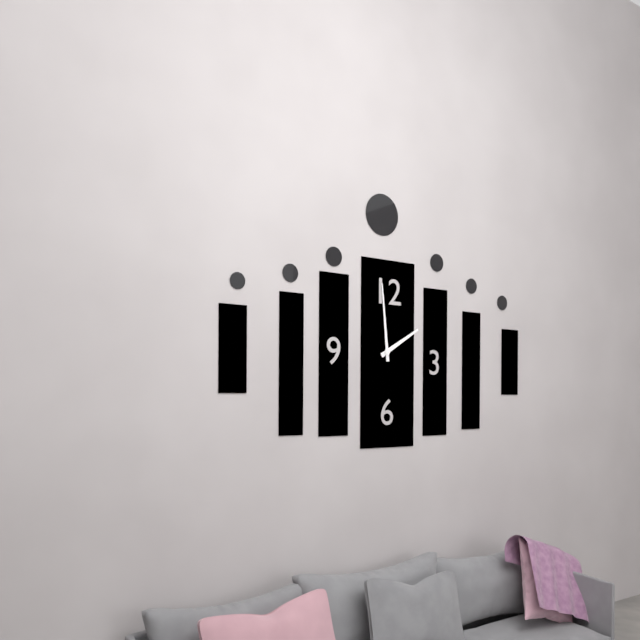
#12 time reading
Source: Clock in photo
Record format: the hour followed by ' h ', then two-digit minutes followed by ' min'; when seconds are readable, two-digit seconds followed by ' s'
1 h 59 min
